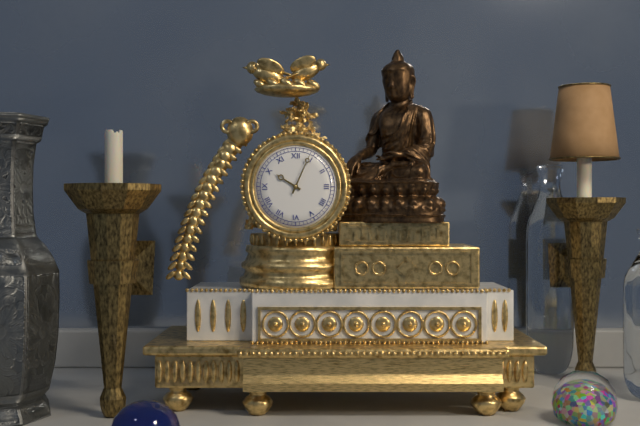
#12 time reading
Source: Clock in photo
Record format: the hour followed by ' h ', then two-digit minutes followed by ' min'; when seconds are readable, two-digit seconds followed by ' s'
10 h 04 min
